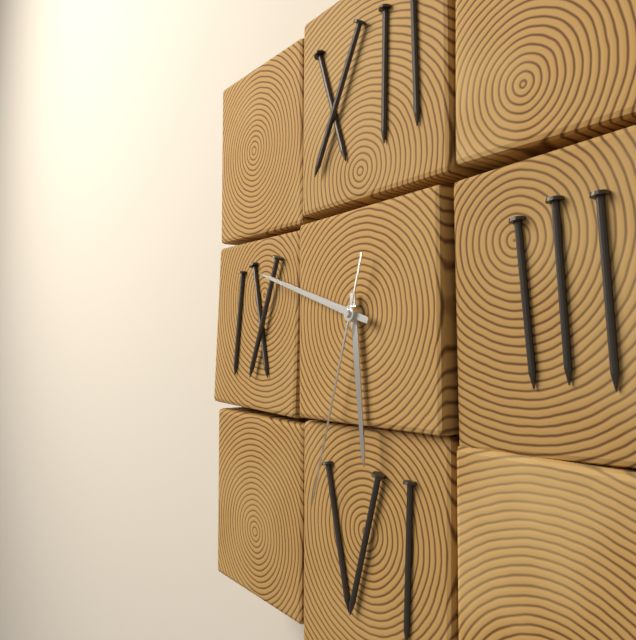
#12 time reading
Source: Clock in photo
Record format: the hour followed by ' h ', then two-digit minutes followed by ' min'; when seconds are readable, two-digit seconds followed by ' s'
5 h 48 min 33 s
